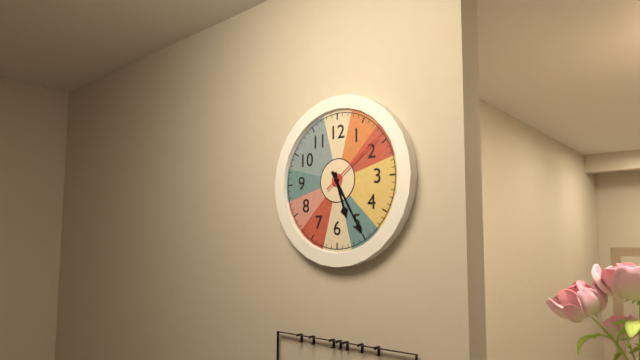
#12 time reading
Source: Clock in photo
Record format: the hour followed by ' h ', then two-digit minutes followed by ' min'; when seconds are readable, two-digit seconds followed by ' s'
5 h 25 min 09 s
